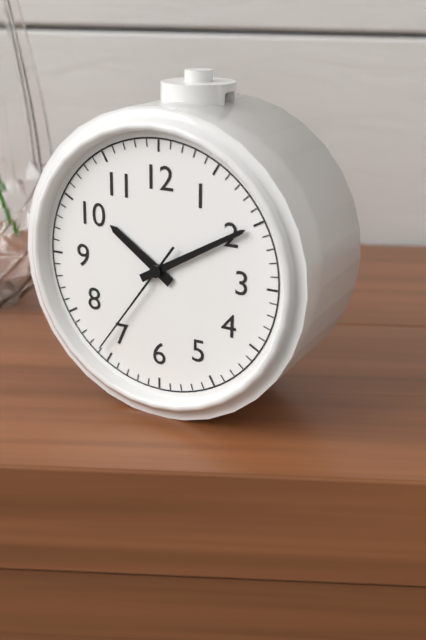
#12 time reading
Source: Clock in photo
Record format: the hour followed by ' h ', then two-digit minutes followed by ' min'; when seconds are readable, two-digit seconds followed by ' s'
10 h 10 min 36 s
